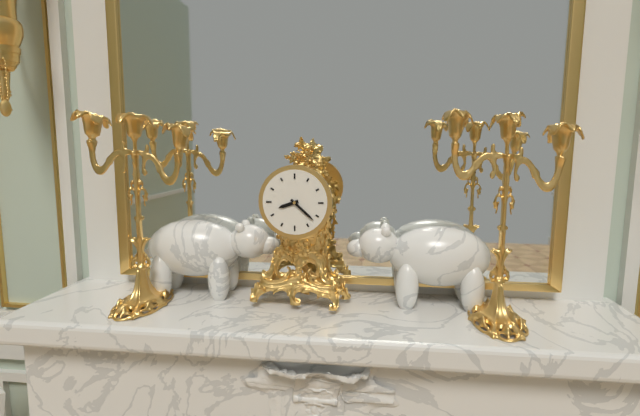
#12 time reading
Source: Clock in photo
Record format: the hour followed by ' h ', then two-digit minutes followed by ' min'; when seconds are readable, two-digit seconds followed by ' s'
8 h 22 min
